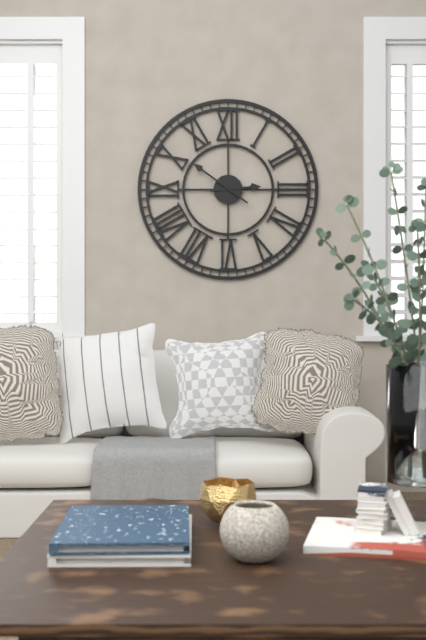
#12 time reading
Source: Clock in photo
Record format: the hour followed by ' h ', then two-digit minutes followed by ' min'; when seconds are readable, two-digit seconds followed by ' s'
2 h 51 min
